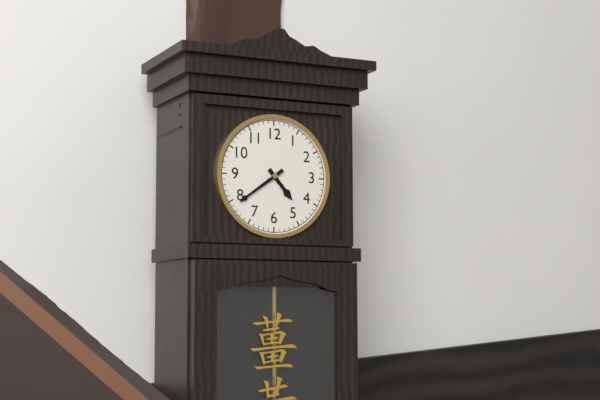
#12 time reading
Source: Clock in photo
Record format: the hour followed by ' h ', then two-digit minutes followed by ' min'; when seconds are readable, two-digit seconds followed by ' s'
4 h 39 min
